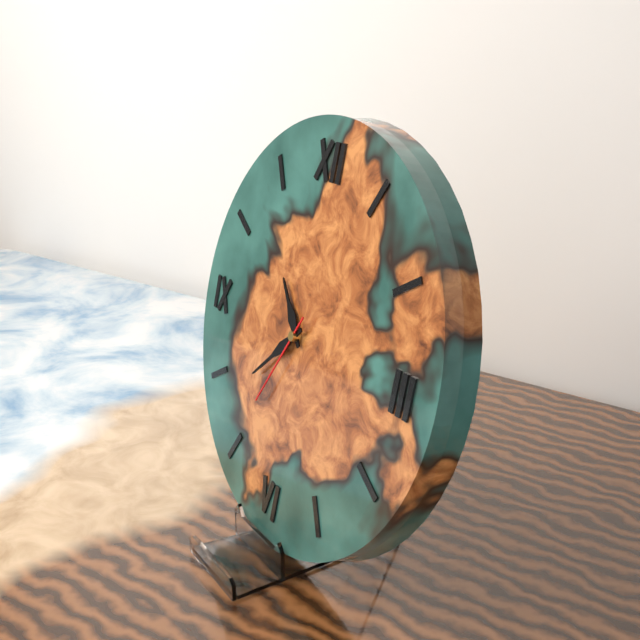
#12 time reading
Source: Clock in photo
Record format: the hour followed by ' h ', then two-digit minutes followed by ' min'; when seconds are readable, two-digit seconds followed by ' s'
10 h 38 min 35 s
